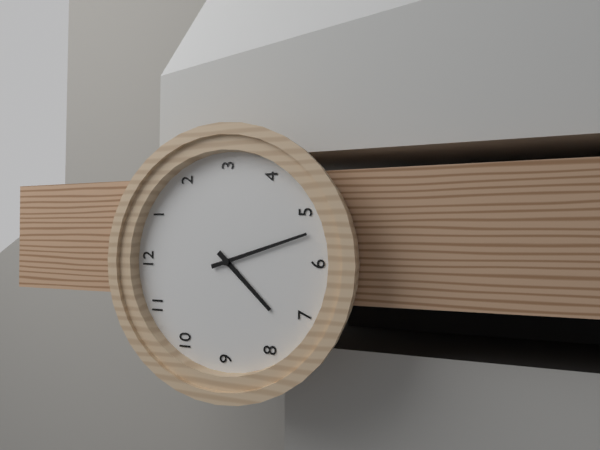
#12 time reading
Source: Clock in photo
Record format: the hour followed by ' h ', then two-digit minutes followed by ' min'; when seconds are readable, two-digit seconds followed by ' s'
7 h 27 min
